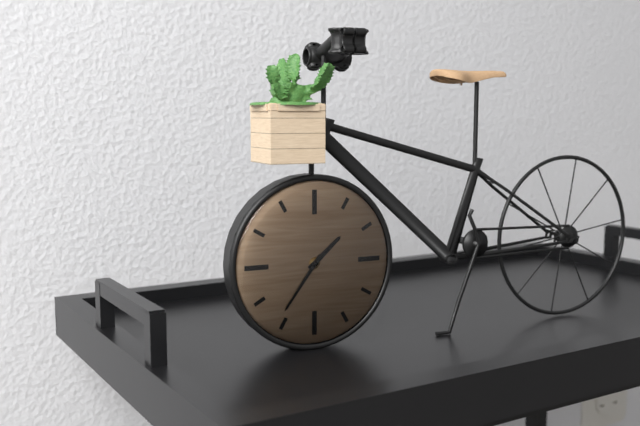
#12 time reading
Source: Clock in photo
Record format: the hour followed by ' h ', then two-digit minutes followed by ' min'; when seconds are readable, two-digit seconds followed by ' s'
1 h 36 min
